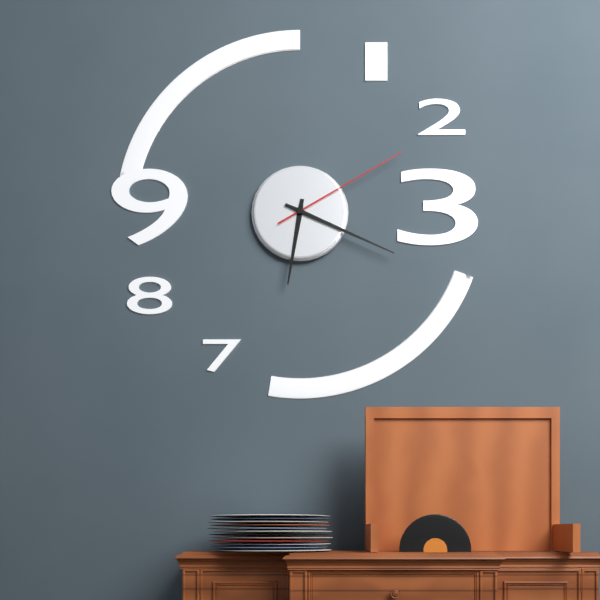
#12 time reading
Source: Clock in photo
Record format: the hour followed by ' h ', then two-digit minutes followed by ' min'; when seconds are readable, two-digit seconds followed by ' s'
6 h 19 min 10 s
